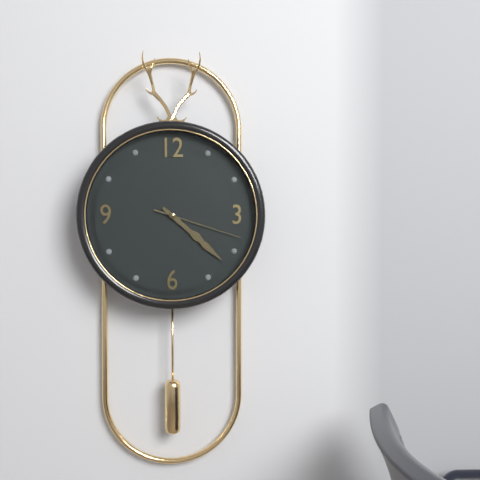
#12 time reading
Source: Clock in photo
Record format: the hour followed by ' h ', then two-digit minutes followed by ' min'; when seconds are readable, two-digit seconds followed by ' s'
4 h 22 min 18 s
